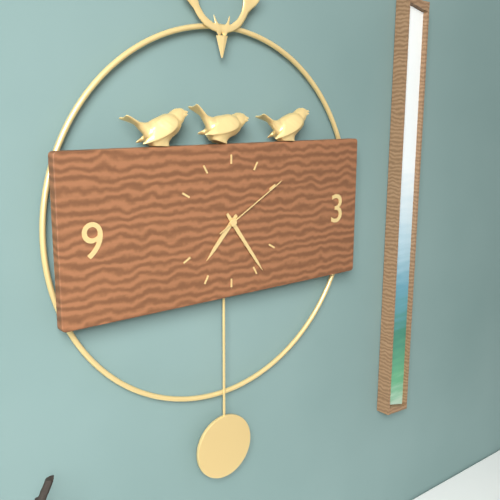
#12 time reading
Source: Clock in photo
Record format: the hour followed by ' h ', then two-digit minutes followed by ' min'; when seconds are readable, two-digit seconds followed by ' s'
7 h 24 min 10 s
